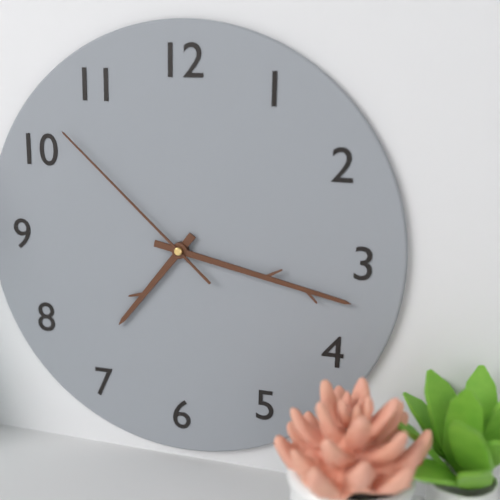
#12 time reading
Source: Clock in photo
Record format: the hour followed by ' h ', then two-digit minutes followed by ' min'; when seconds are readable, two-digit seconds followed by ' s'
7 h 17 min 52 s
